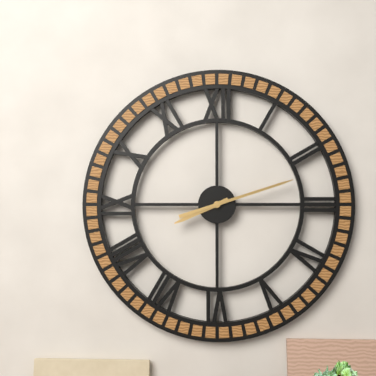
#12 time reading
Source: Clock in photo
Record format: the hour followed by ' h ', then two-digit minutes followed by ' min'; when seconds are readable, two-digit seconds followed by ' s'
8 h 12 min
